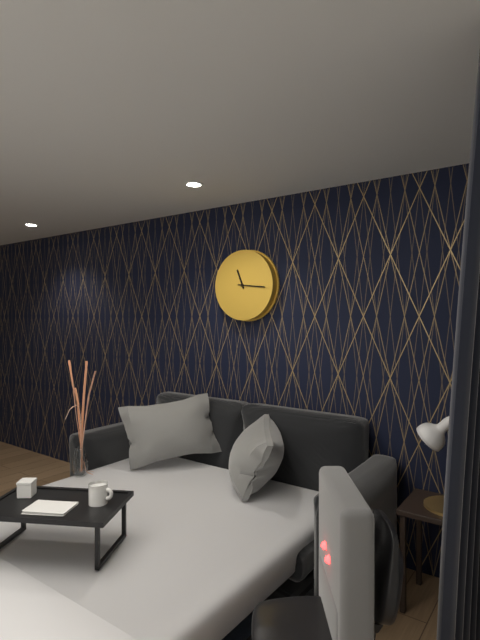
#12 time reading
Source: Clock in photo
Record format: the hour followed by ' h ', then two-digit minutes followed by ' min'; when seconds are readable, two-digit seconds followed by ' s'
11 h 16 min
